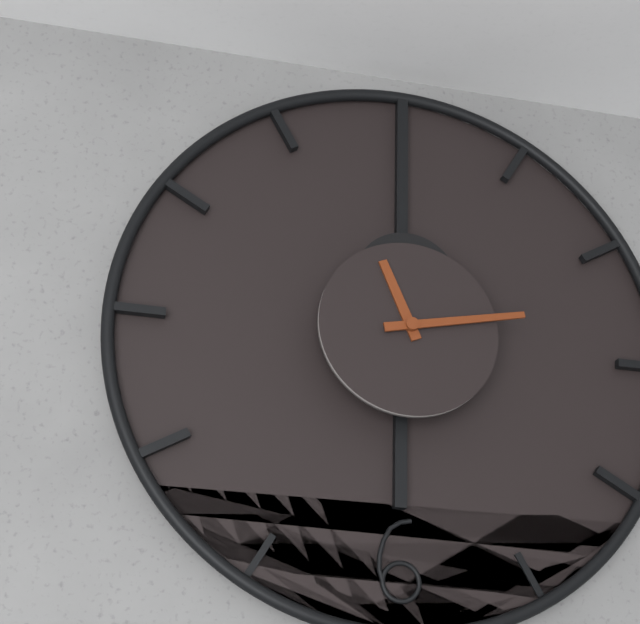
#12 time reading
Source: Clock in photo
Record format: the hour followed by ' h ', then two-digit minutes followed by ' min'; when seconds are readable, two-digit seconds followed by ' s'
11 h 13 min
